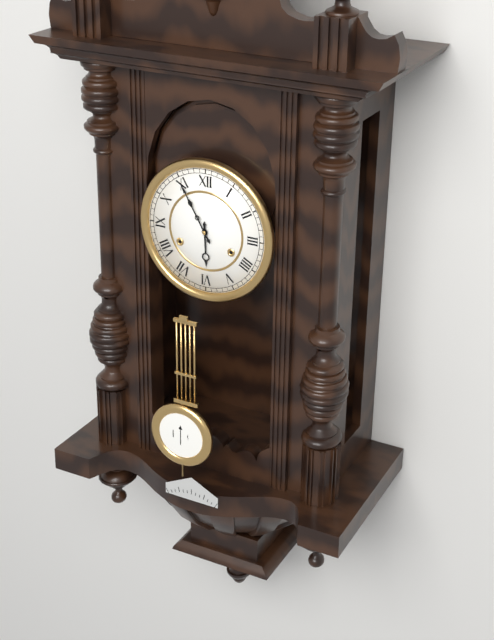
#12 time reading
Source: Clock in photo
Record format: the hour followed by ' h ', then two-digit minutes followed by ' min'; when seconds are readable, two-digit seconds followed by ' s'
5 h 55 min
